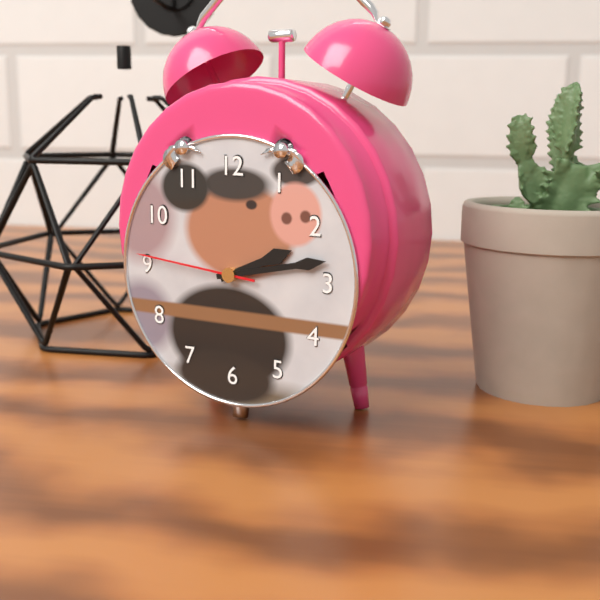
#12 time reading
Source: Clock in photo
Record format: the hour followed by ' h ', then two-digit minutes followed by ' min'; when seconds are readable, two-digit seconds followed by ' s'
2 h 13 min 46 s
